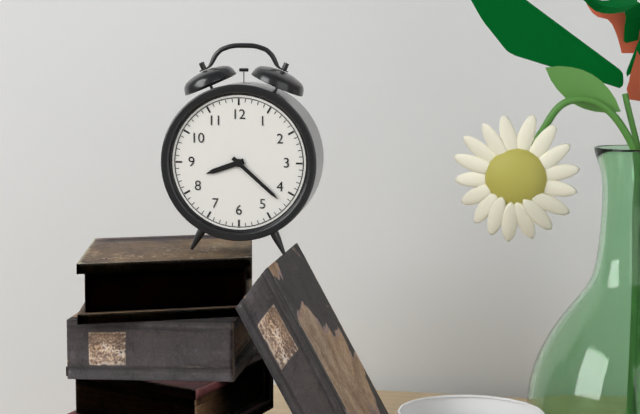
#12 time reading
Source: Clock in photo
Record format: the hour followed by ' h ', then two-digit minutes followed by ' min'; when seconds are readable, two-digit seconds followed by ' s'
8 h 22 min
